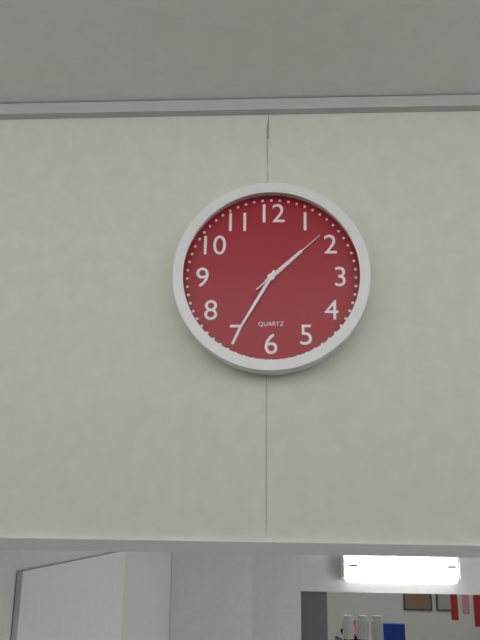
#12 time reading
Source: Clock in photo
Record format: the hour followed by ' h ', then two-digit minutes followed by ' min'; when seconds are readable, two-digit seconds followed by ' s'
1 h 35 min 08 s
